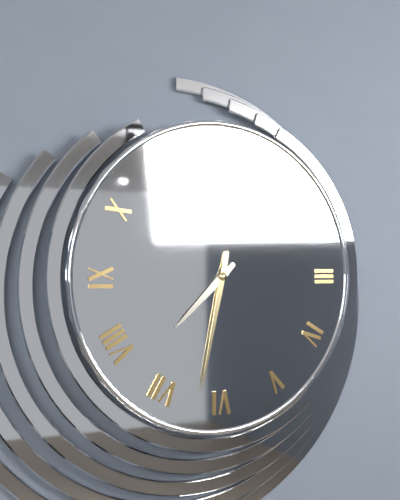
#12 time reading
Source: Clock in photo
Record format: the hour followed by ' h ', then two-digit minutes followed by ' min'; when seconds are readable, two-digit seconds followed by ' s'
7 h 32 min
